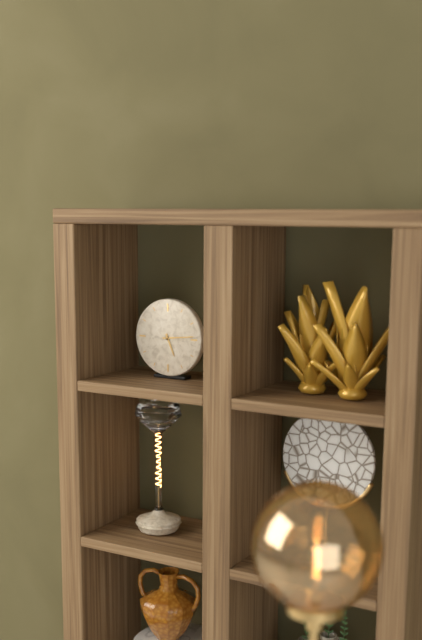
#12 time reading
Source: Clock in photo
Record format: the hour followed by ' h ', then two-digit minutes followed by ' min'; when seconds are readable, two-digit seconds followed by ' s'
5 h 14 min
